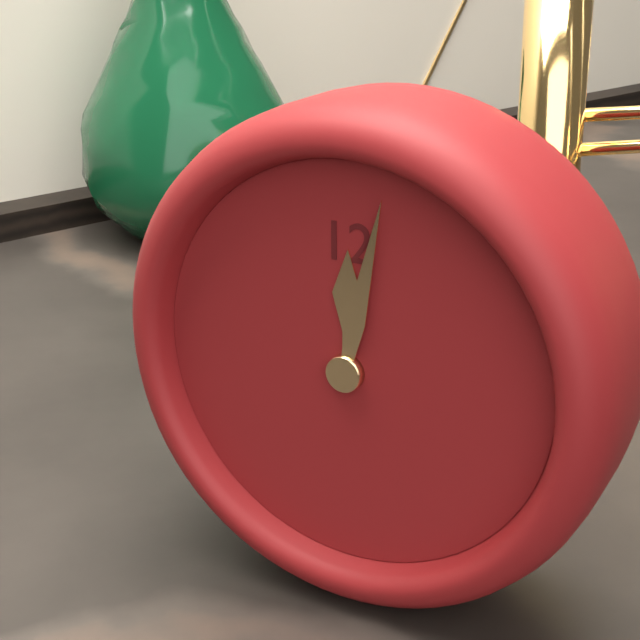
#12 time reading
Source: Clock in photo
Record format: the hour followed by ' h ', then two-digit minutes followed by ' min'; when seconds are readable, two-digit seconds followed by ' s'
12 h 02 min
